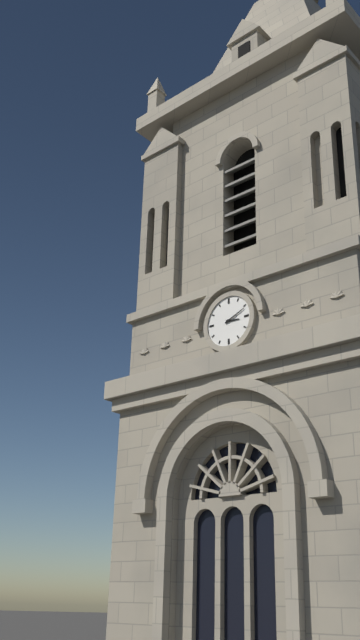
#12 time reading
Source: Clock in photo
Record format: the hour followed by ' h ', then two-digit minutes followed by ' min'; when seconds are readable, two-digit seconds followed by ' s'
3 h 11 min
